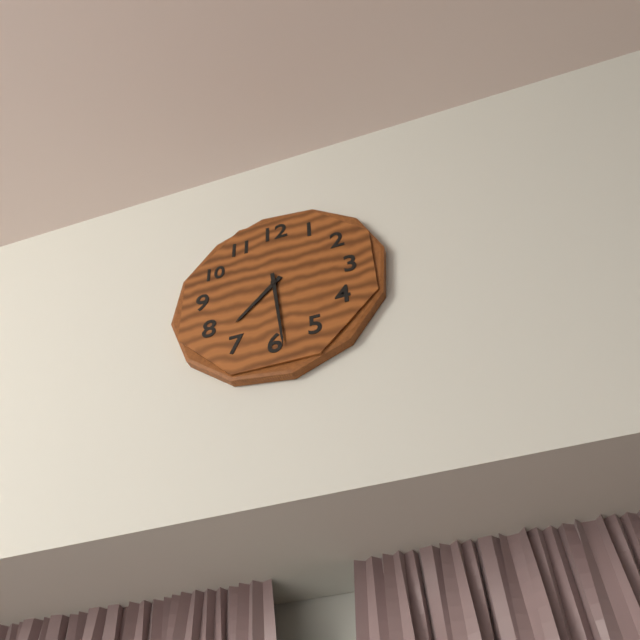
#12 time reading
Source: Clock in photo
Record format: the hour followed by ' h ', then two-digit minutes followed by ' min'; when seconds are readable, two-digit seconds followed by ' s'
7 h 29 min
